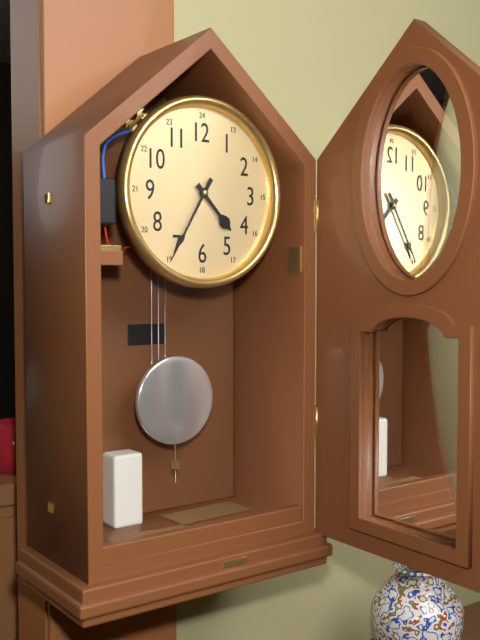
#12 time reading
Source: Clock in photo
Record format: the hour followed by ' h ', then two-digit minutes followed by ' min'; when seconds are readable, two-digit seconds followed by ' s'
4 h 35 min
